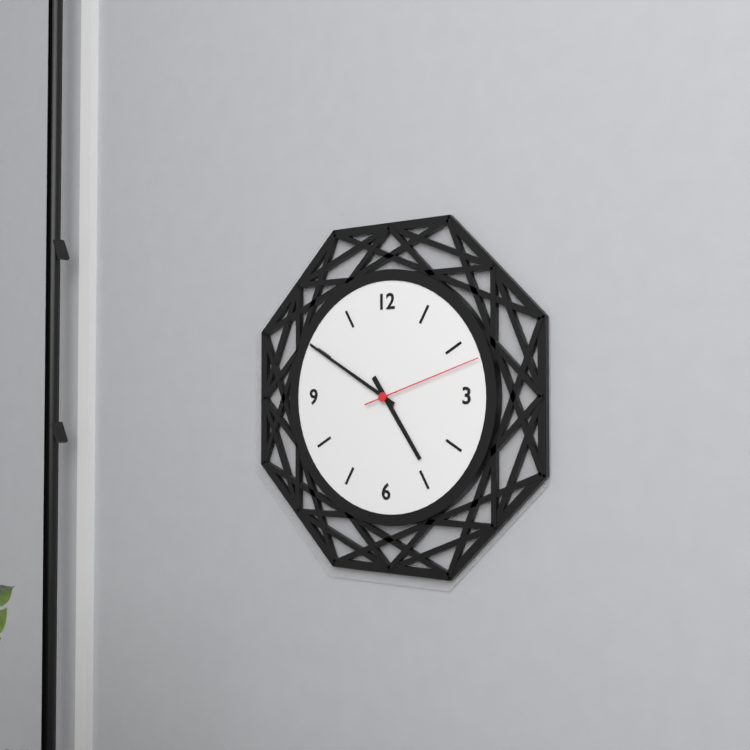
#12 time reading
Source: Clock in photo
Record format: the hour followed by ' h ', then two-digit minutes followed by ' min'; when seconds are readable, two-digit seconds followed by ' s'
4 h 50 min 12 s
